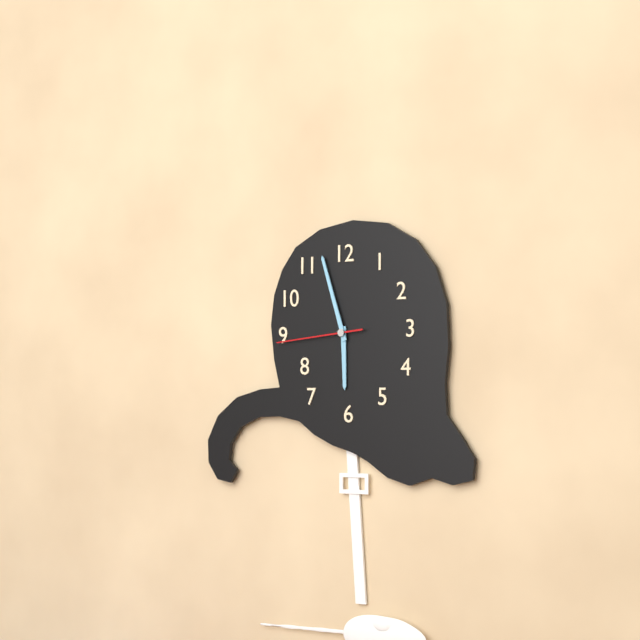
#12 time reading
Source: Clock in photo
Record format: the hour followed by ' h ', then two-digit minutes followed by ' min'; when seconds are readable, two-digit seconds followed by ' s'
5 h 57 min 44 s
